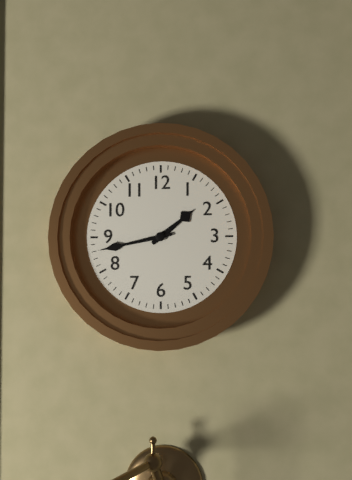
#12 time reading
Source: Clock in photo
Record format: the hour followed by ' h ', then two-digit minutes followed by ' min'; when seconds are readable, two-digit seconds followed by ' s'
1 h 43 min
